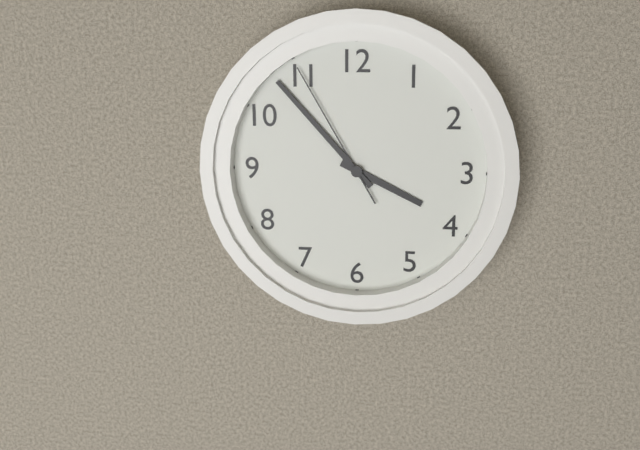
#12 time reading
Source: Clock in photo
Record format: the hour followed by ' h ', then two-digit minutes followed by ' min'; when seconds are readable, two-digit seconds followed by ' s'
3 h 53 min 55 s
